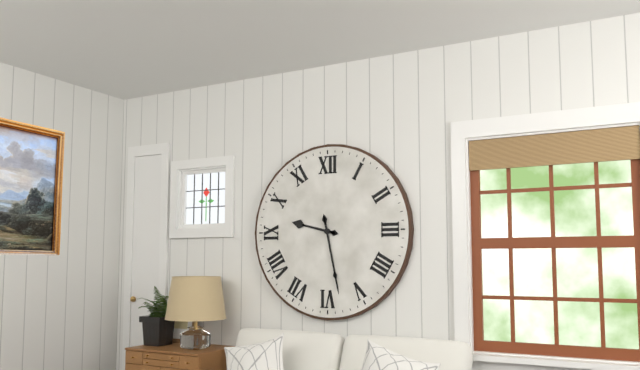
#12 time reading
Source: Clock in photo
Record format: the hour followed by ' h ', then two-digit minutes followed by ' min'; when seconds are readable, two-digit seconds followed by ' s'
9 h 28 min
